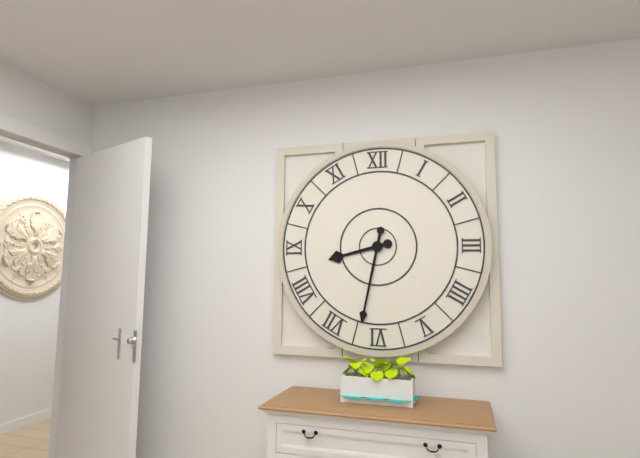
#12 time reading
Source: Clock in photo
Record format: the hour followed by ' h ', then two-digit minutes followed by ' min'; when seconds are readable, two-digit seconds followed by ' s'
8 h 32 min
